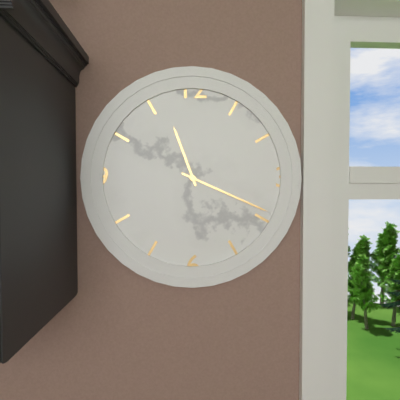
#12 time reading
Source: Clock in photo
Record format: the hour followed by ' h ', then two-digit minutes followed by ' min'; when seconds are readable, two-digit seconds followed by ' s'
11 h 19 min
